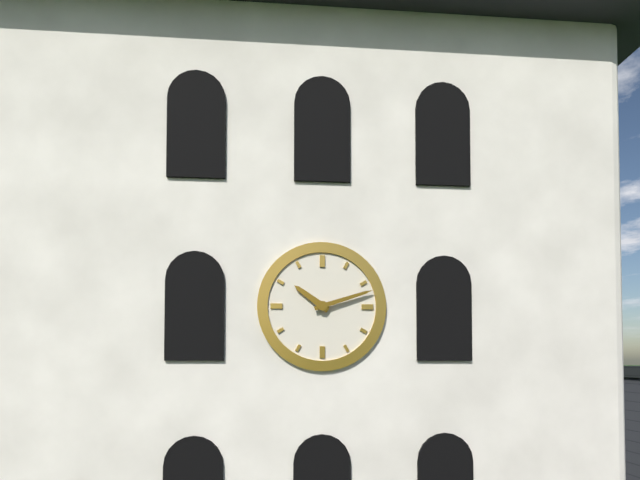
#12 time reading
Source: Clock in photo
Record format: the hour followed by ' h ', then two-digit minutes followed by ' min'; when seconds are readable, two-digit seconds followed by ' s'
10 h 12 min
